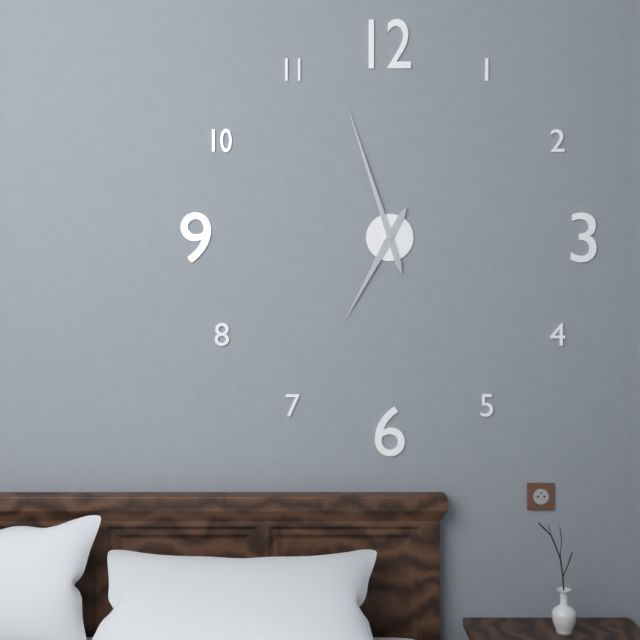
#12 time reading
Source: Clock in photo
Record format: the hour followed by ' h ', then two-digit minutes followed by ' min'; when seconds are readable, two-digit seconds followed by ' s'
6 h 57 min
